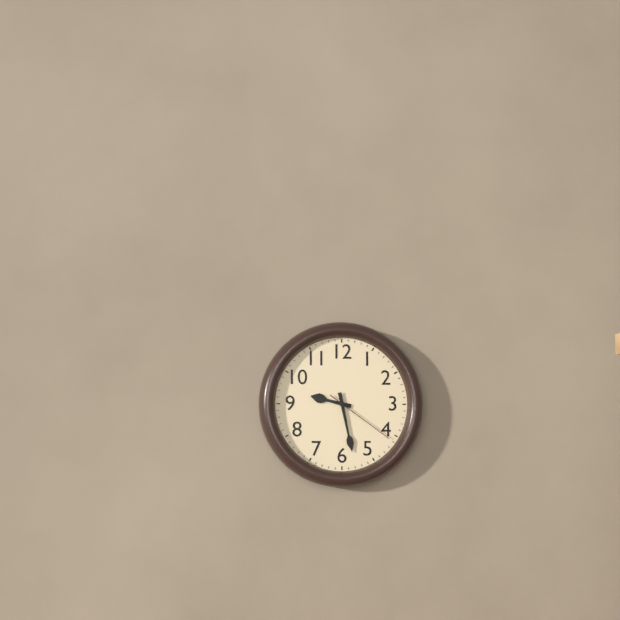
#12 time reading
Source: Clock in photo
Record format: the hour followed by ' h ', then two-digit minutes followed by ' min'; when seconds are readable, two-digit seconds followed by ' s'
9 h 28 min 21 s
